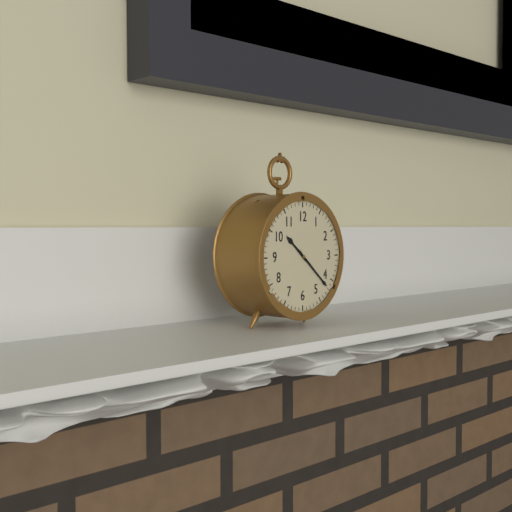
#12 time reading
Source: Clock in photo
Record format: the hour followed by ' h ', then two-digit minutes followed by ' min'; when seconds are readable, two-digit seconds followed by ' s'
10 h 22 min
